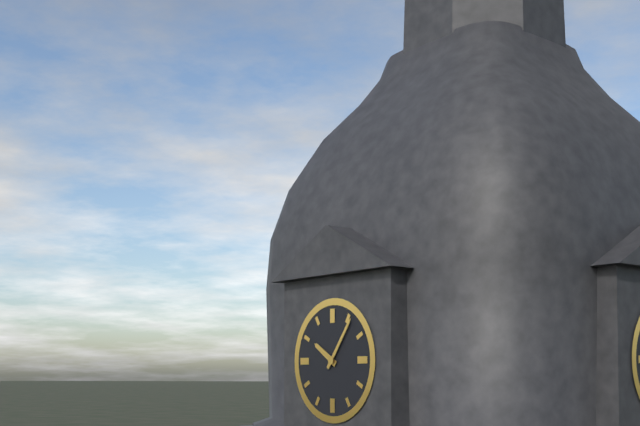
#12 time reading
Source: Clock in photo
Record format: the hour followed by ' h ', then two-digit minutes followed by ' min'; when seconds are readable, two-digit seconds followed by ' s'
10 h 06 min
